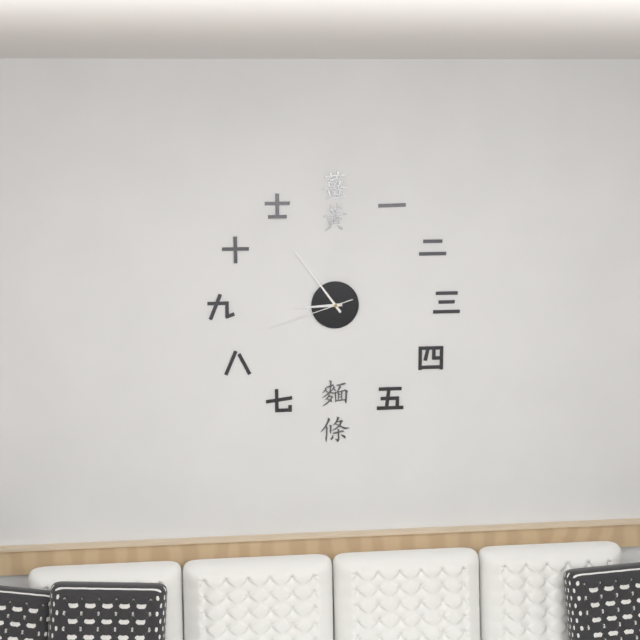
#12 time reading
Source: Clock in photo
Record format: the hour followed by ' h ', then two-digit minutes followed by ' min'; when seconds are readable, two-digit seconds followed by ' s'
8 h 54 min 42 s
